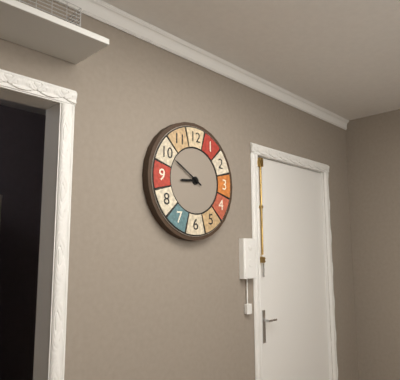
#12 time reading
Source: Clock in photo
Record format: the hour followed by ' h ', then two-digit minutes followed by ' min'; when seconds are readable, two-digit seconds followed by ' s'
8 h 50 min
